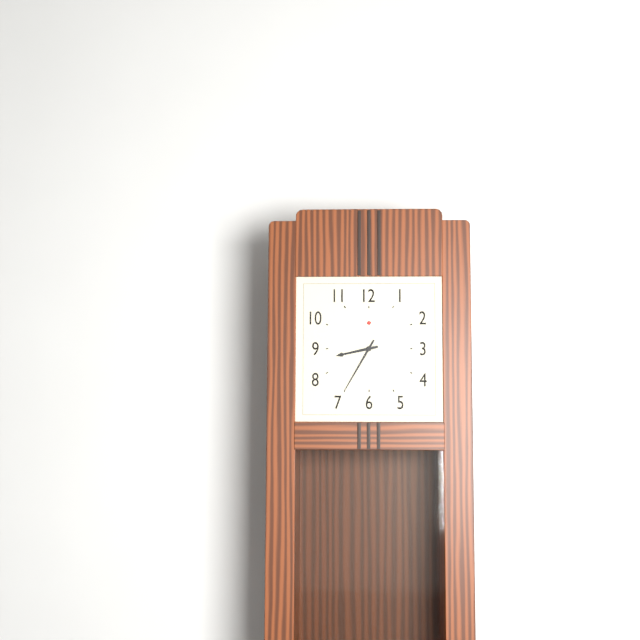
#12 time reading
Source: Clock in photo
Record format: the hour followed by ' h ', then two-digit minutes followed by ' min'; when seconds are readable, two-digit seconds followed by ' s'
8 h 35 min
